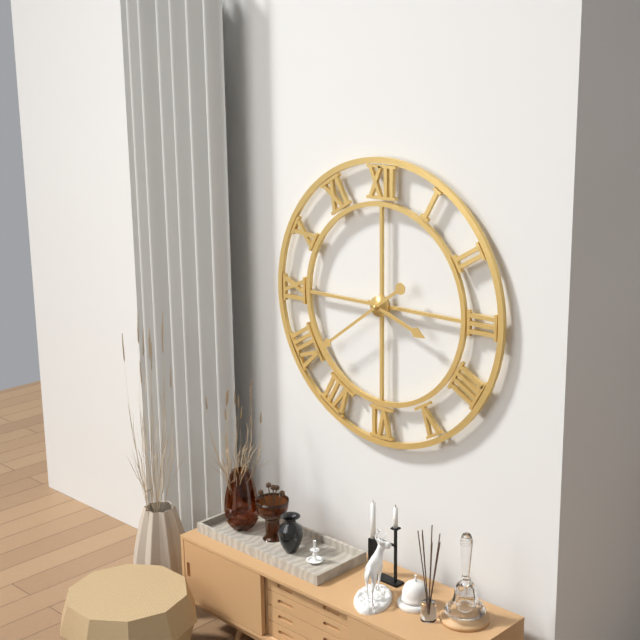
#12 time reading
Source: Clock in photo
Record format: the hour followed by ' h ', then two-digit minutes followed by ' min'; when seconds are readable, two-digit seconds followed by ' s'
3 h 39 min
